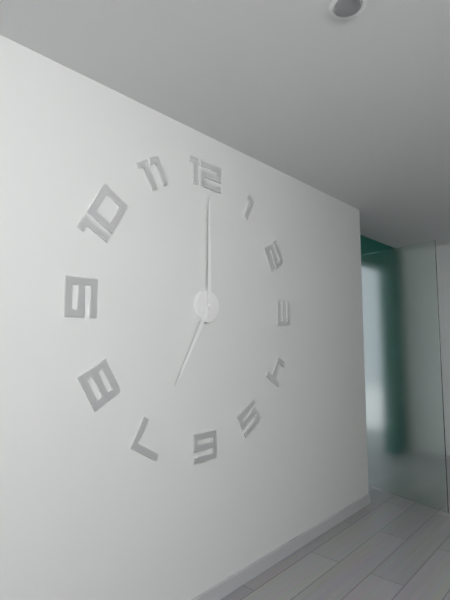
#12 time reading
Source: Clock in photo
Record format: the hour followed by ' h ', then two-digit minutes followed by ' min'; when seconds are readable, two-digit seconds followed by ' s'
7 h 00 min
